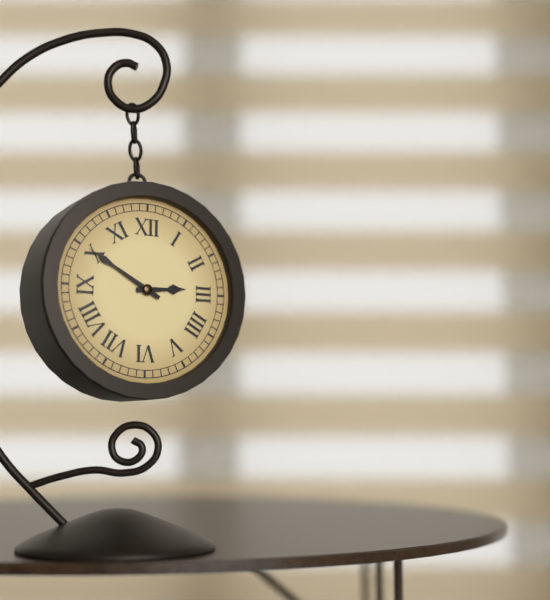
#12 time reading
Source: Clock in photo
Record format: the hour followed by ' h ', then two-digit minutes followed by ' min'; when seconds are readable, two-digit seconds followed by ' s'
2 h 50 min
